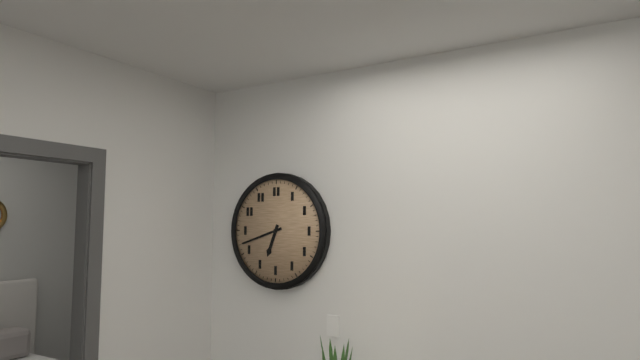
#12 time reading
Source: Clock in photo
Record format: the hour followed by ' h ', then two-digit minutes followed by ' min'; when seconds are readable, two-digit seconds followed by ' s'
6 h 42 min
